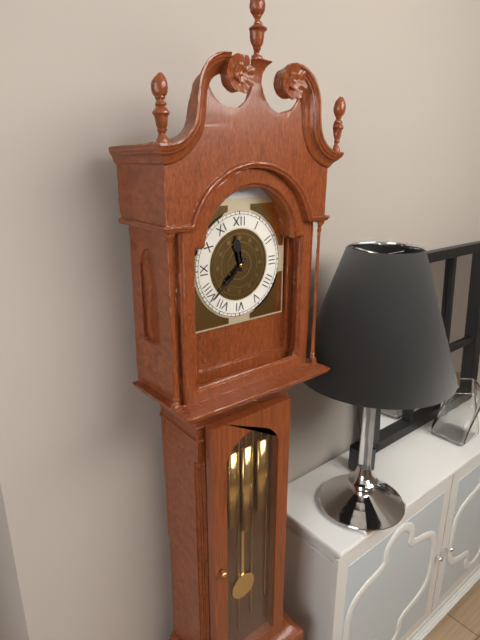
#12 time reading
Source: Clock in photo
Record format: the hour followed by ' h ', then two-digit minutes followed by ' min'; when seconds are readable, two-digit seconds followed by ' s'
11 h 38 min
